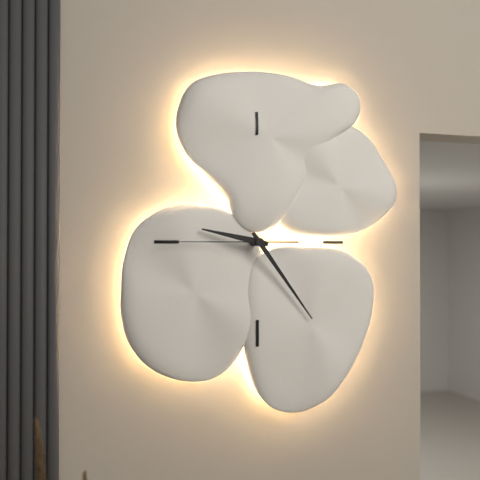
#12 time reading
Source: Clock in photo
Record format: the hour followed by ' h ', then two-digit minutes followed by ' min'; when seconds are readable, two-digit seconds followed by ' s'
9 h 24 min 45 s
